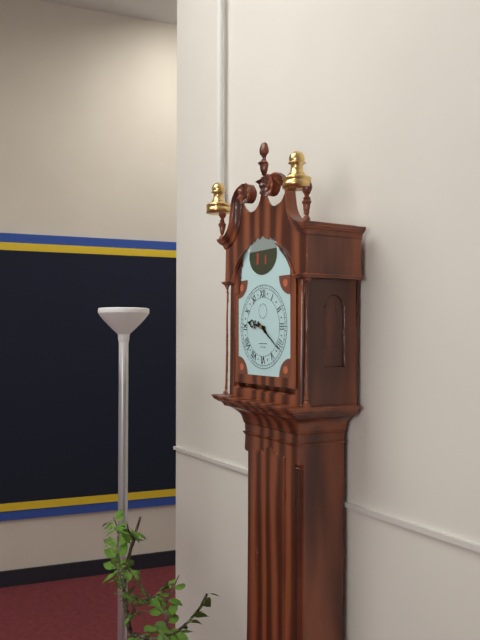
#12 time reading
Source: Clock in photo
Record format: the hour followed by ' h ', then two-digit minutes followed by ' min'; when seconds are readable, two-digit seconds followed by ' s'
9 h 21 min
